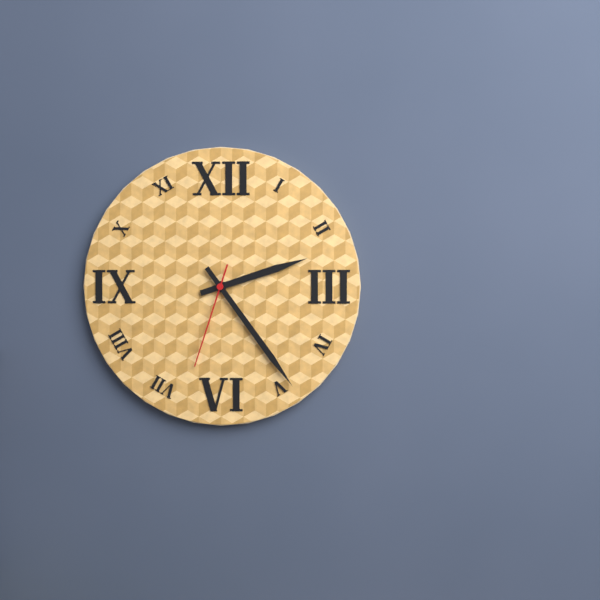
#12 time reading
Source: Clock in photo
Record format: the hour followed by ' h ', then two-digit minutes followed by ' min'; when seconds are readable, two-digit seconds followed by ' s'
2 h 24 min 33 s
